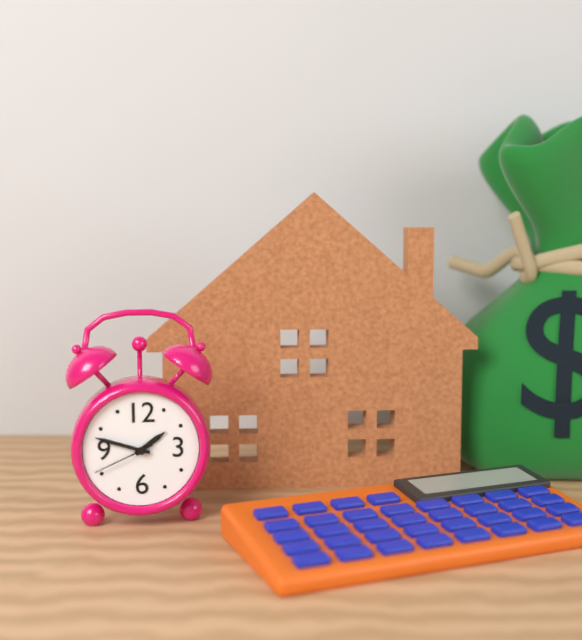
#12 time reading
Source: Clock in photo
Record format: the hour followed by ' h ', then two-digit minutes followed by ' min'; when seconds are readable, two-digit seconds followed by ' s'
1 h 48 min 41 s
